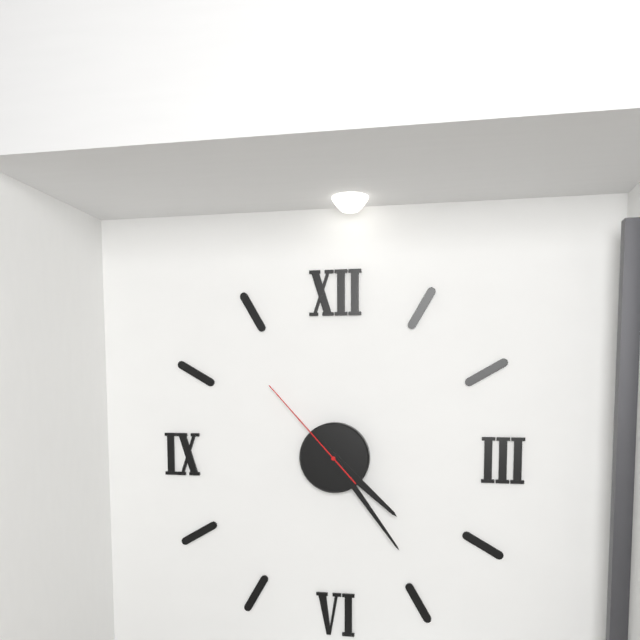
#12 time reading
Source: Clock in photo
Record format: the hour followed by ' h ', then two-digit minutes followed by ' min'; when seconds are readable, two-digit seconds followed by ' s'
4 h 24 min 53 s
